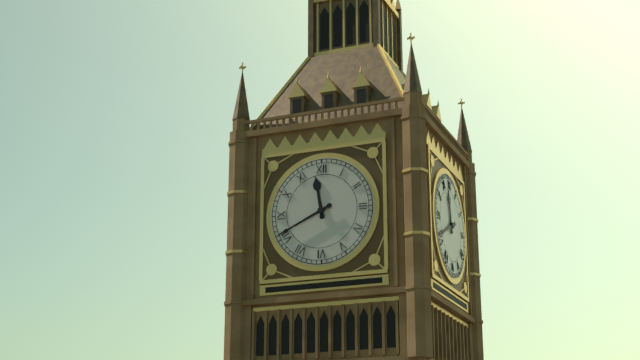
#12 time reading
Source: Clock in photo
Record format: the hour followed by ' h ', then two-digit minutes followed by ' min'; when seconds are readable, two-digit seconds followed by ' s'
11 h 41 min
